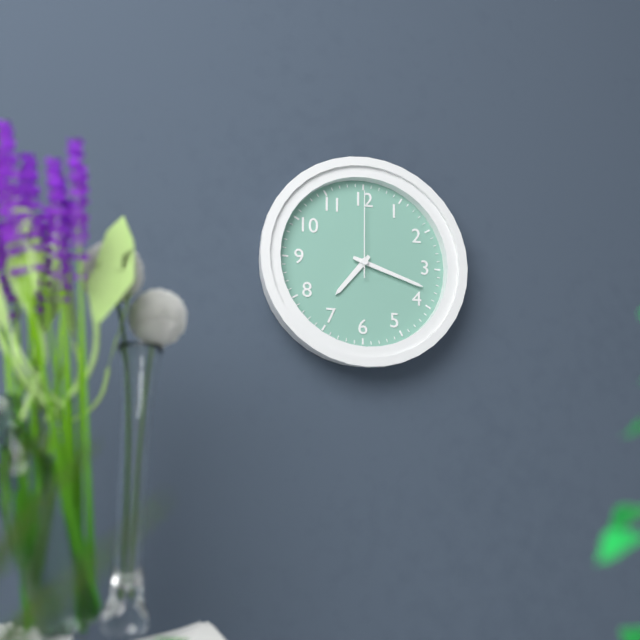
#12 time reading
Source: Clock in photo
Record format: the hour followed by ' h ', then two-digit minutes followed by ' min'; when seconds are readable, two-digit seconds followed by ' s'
7 h 18 min 00 s
